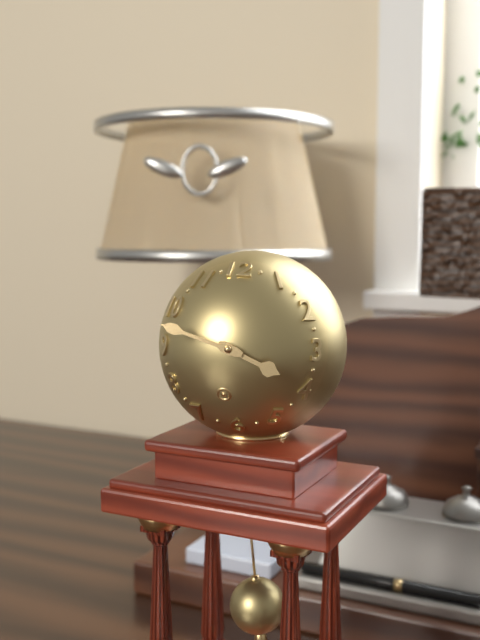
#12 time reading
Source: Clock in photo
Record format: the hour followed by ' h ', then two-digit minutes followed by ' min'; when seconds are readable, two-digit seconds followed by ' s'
3 h 48 min
